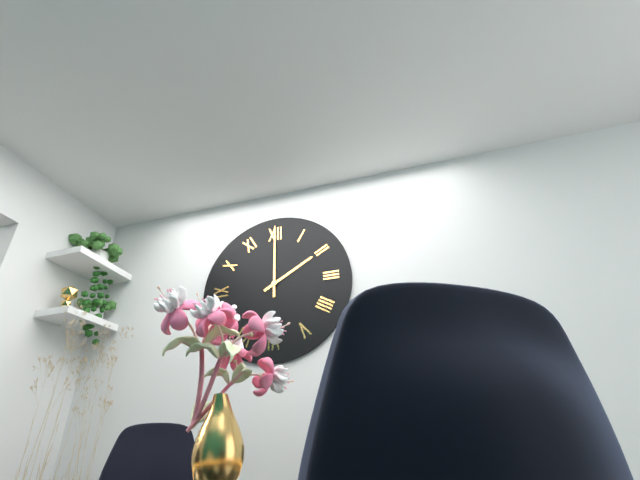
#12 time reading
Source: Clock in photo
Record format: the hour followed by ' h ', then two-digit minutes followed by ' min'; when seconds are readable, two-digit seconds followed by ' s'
2 h 00 min
